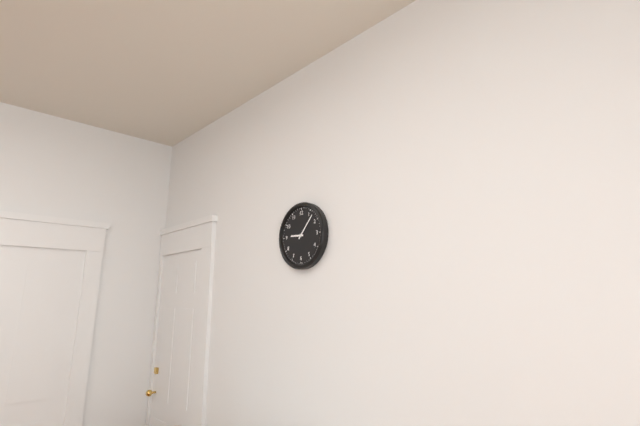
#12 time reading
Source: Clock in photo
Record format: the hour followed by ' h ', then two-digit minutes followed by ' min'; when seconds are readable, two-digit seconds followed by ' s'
9 h 07 min
